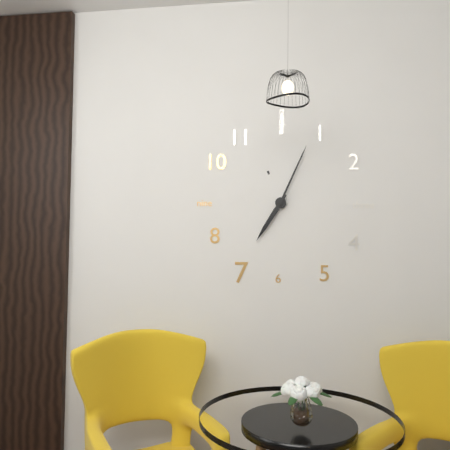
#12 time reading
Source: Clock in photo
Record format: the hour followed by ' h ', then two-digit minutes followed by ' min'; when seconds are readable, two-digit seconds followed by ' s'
7 h 04 min
